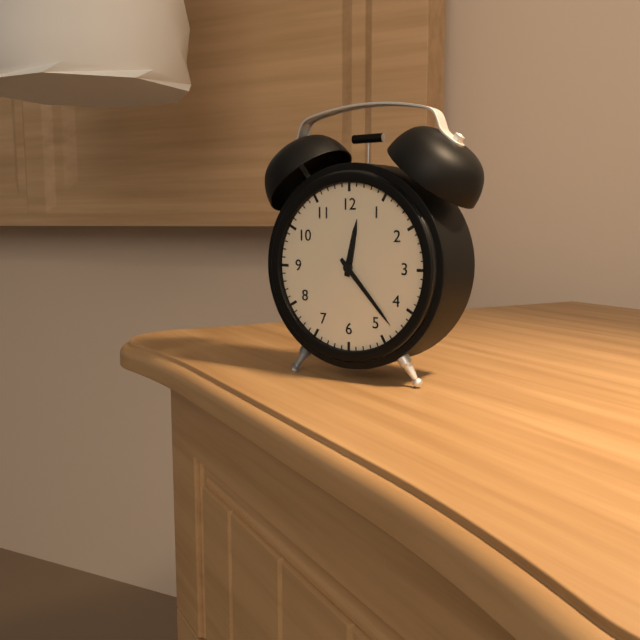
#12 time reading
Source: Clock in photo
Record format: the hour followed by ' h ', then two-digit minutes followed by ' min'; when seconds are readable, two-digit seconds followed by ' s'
12 h 23 min
